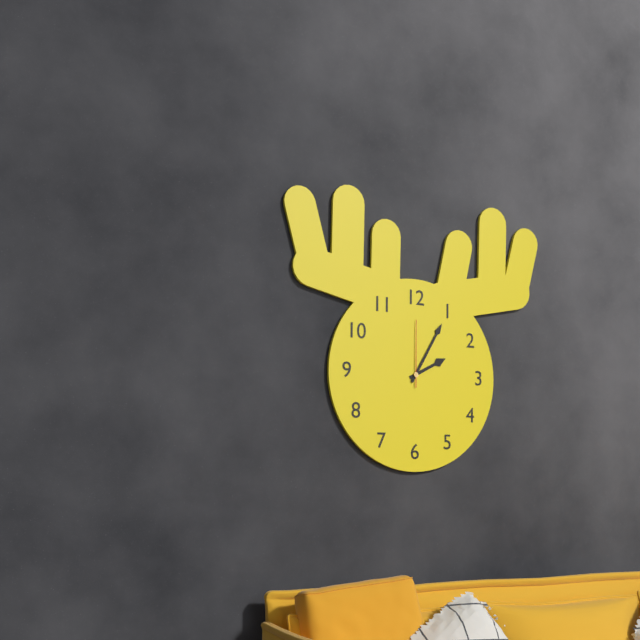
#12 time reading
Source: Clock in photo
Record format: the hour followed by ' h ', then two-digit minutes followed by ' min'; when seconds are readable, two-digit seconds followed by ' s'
2 h 05 min 00 s
